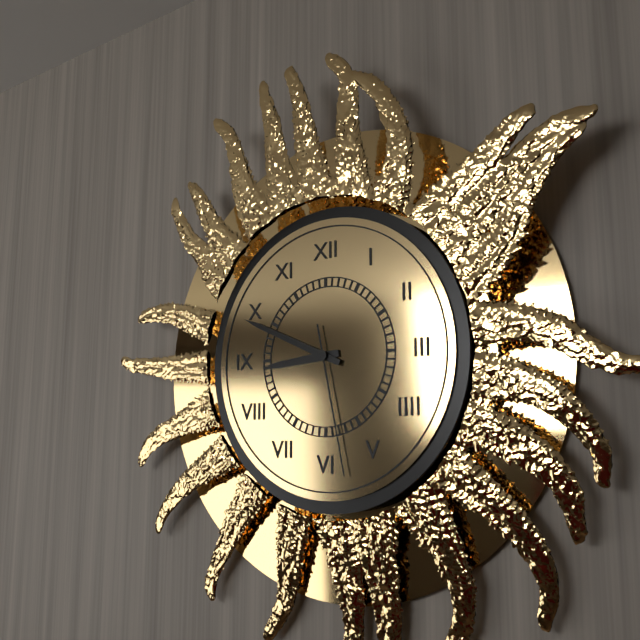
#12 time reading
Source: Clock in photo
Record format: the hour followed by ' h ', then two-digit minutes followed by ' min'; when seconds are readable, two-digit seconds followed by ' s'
8 h 49 min 28 s
